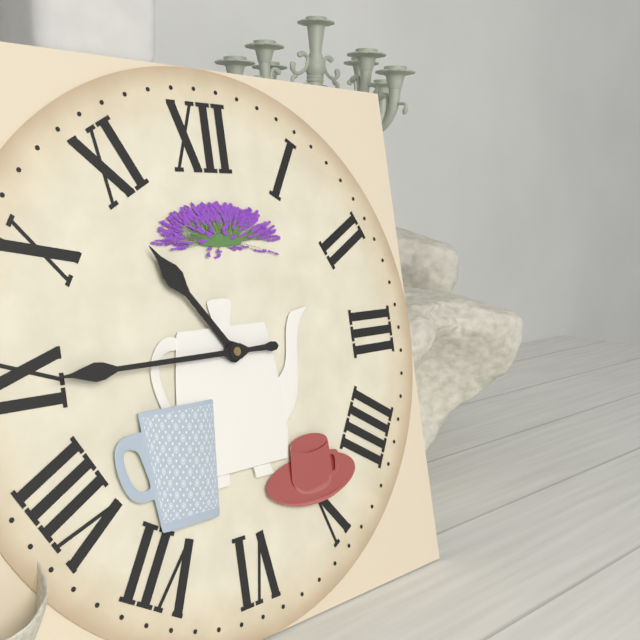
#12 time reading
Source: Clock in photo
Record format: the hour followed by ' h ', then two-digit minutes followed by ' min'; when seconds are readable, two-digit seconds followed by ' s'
10 h 45 min
